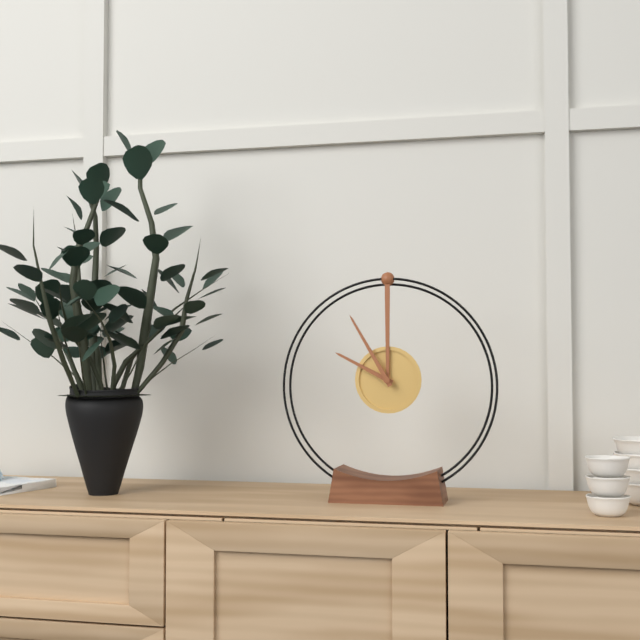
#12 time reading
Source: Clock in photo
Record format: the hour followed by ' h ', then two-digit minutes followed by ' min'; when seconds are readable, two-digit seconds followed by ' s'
9 h 55 min
